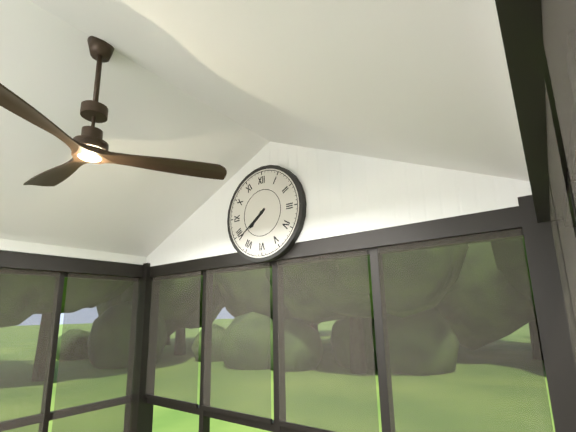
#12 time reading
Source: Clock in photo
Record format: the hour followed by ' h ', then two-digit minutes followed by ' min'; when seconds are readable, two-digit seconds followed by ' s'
7 h 39 min
